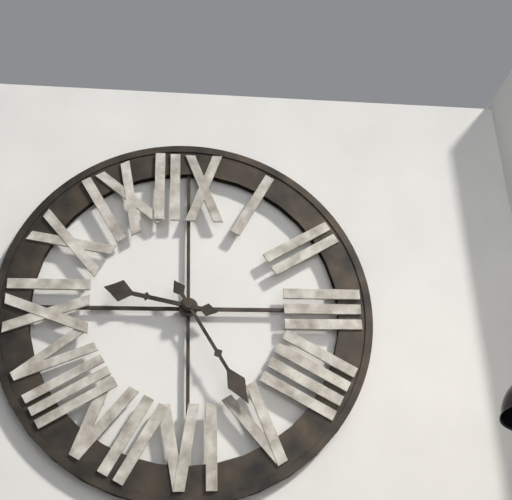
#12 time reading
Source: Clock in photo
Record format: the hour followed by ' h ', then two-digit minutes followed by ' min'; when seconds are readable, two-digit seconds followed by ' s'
9 h 25 min
